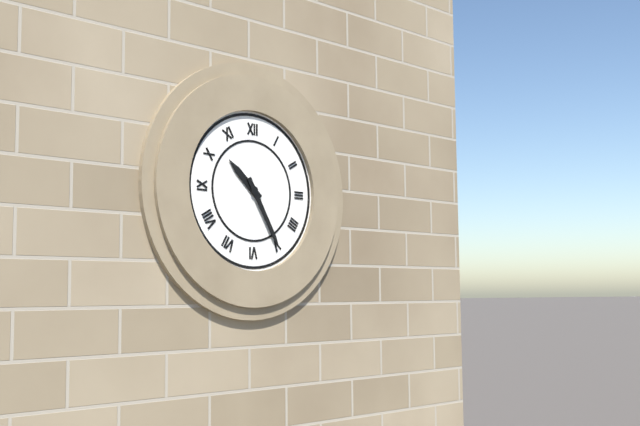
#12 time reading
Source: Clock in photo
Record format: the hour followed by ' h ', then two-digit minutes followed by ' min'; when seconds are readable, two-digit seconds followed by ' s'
10 h 25 min
